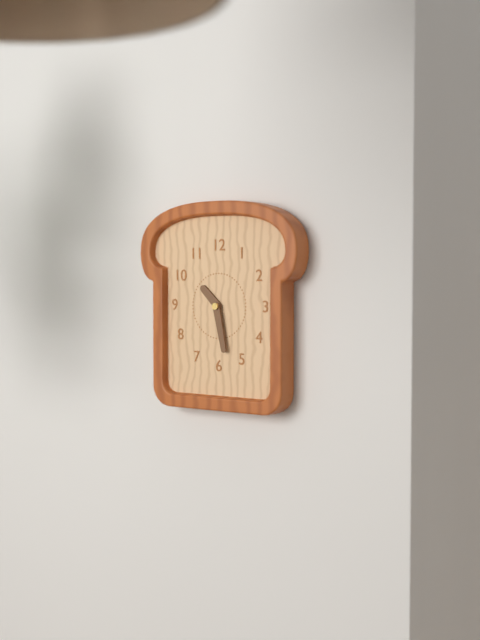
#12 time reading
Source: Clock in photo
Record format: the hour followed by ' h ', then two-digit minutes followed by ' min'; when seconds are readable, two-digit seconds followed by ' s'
10 h 28 min
